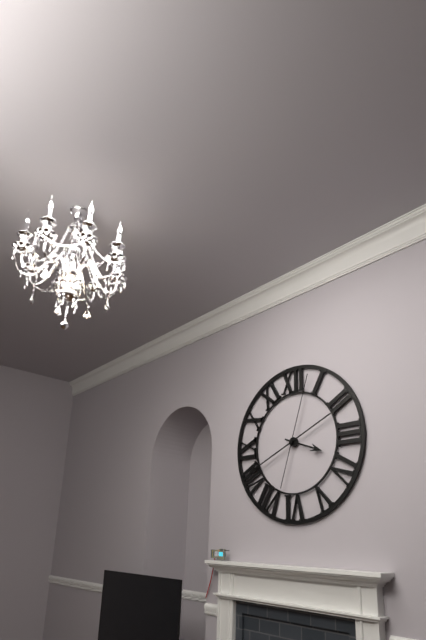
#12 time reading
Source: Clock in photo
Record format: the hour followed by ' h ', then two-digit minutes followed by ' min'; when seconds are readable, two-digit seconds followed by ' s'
3 h 41 min 03 s
